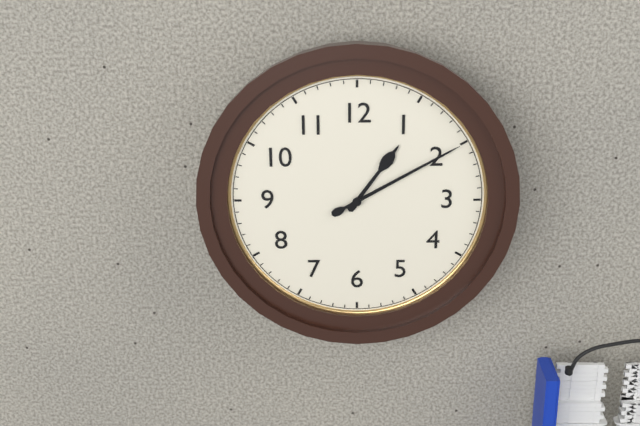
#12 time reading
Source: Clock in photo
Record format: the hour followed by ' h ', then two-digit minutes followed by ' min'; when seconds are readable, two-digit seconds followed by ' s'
1 h 10 min
